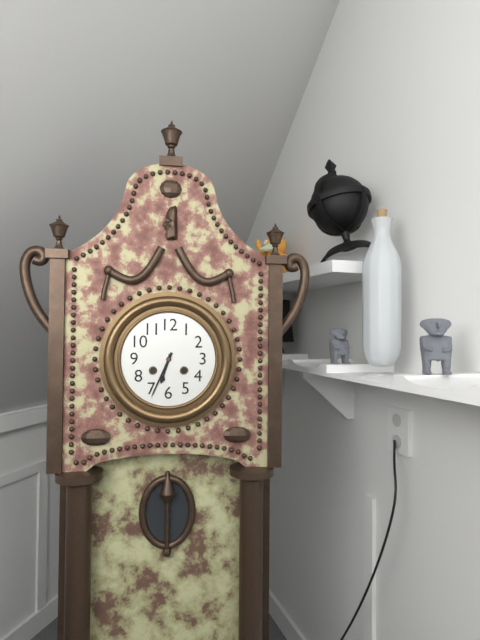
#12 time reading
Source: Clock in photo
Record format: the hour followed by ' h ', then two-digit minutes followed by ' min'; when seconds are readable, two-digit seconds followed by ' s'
6 h 34 min
